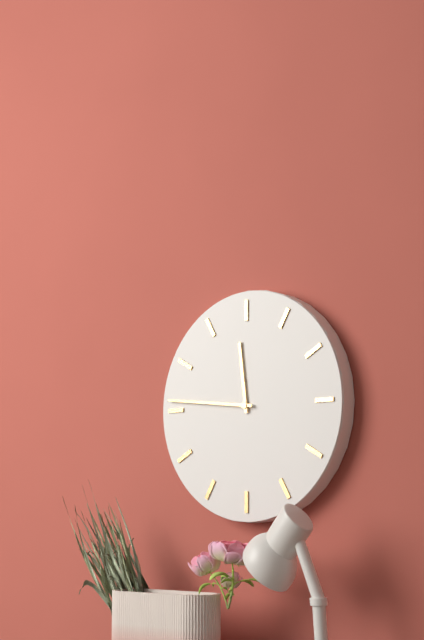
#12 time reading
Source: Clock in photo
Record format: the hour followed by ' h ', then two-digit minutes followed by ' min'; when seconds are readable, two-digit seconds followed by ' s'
11 h 46 min
